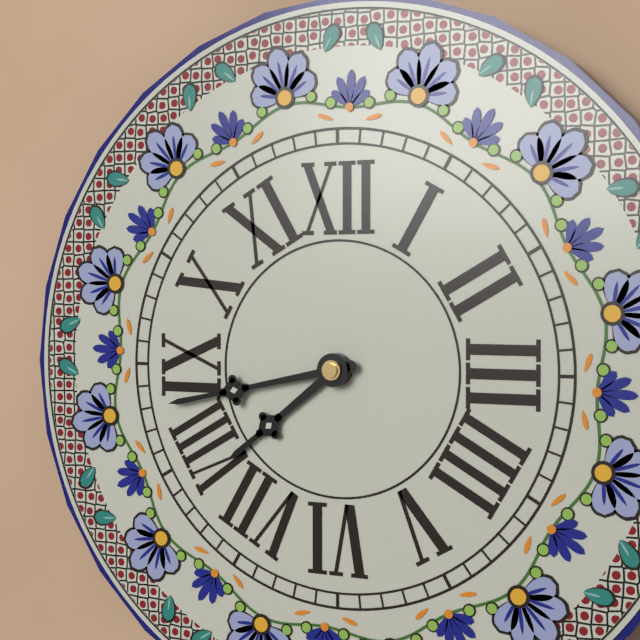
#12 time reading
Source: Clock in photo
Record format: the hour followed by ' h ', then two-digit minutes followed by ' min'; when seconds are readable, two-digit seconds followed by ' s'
7 h 43 min
